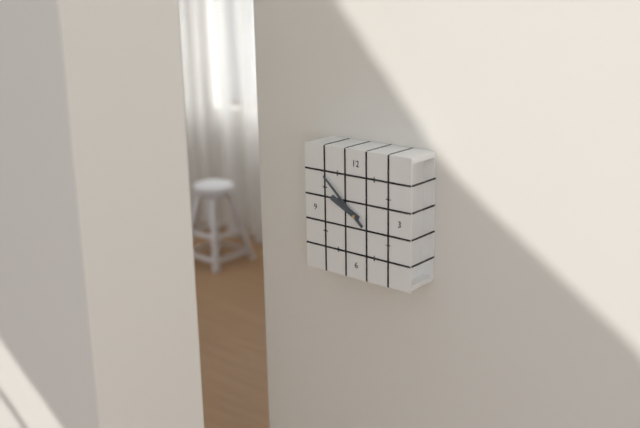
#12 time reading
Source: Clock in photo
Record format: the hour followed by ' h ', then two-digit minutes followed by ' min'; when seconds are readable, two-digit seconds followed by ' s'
9 h 52 min
